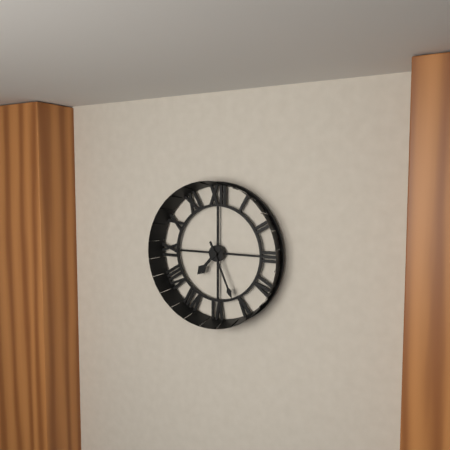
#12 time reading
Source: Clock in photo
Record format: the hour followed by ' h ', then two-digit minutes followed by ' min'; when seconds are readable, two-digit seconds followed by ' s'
7 h 26 min
